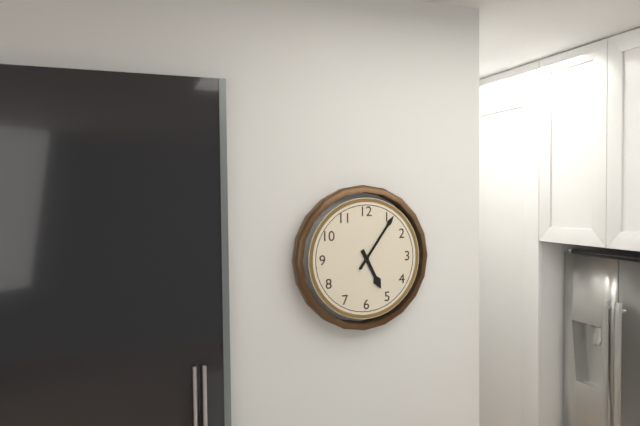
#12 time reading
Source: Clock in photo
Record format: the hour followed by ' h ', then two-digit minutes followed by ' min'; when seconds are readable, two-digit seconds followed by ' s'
5 h 06 min
